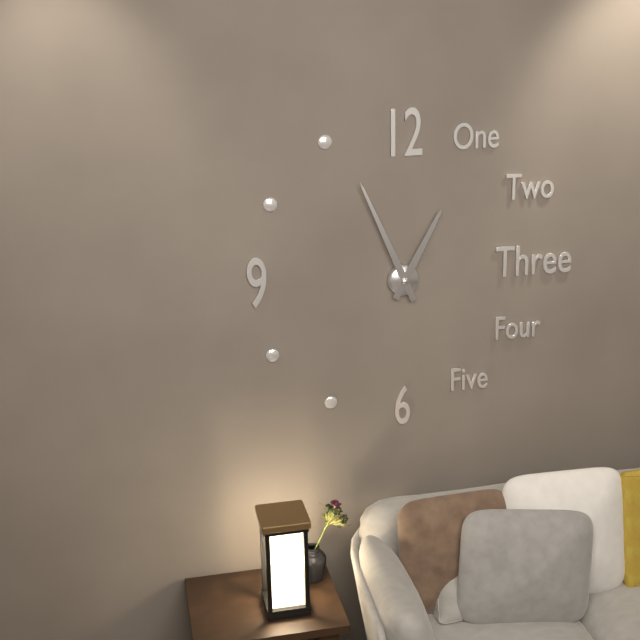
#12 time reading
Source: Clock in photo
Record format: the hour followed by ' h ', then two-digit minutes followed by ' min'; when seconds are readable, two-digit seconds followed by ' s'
12 h 56 min
